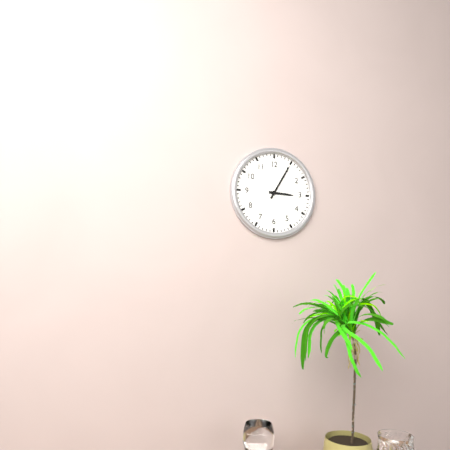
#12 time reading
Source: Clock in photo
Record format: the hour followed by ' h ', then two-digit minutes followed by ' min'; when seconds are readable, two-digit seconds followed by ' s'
3 h 05 min
